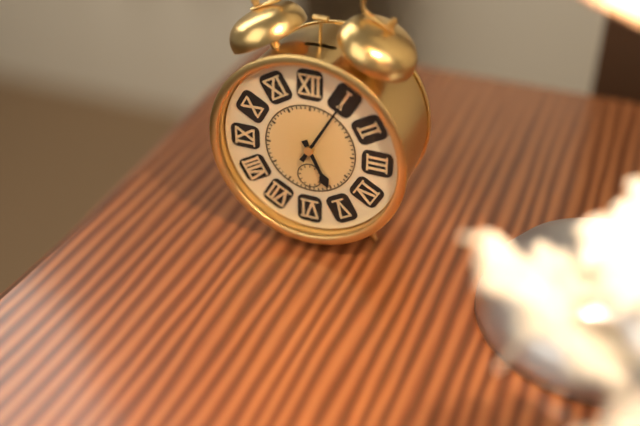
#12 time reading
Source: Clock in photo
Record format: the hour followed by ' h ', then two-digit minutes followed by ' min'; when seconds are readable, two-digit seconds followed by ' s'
5 h 05 min
